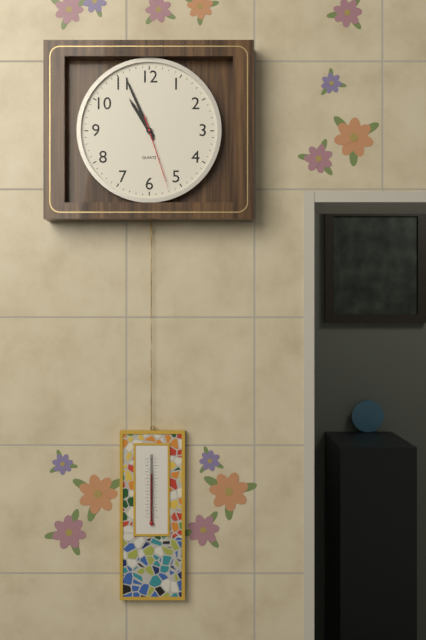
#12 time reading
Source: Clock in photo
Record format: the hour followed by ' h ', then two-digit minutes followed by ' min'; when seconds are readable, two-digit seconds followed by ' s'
10 h 56 min 27 s
